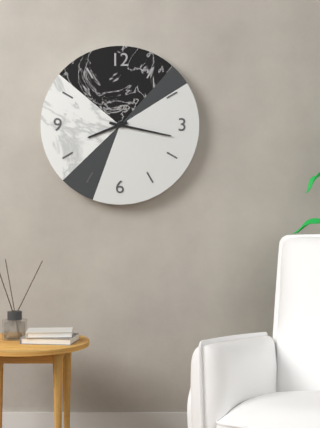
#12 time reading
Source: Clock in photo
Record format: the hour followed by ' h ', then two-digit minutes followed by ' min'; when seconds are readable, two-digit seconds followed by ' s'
8 h 17 min
